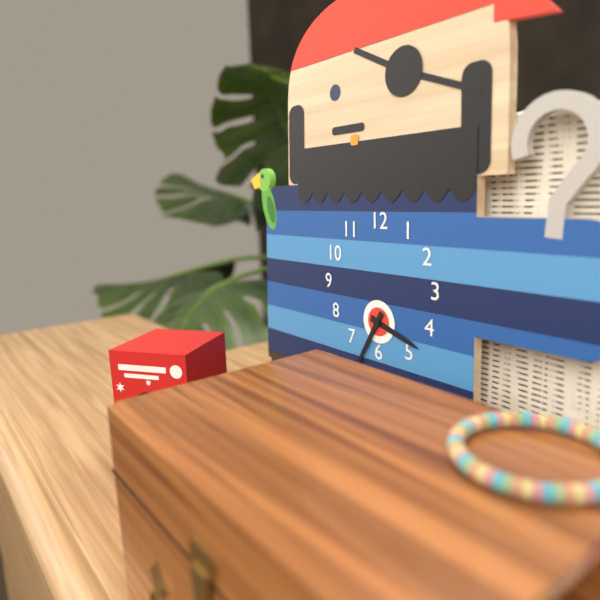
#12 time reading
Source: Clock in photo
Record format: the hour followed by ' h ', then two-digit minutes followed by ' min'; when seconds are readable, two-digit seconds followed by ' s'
3 h 35 min
